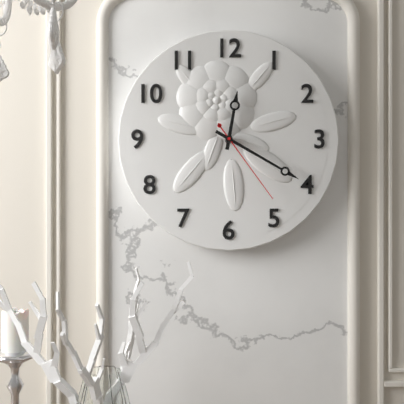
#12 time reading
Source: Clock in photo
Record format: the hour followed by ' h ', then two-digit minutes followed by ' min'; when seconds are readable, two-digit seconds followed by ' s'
12 h 20 min 24 s
